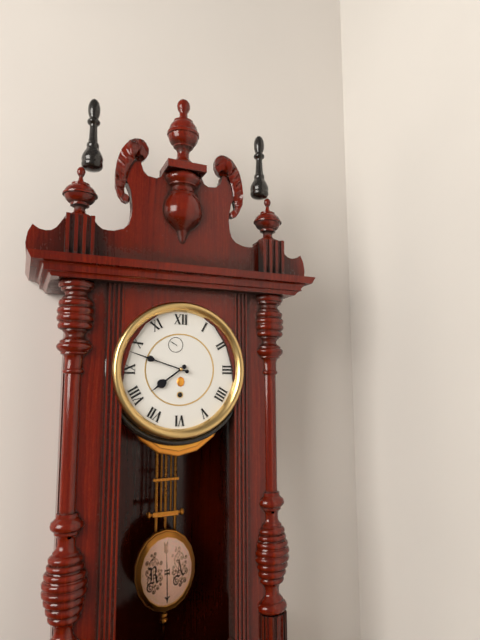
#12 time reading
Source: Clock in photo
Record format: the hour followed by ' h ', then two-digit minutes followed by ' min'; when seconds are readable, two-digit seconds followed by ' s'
7 h 48 min
